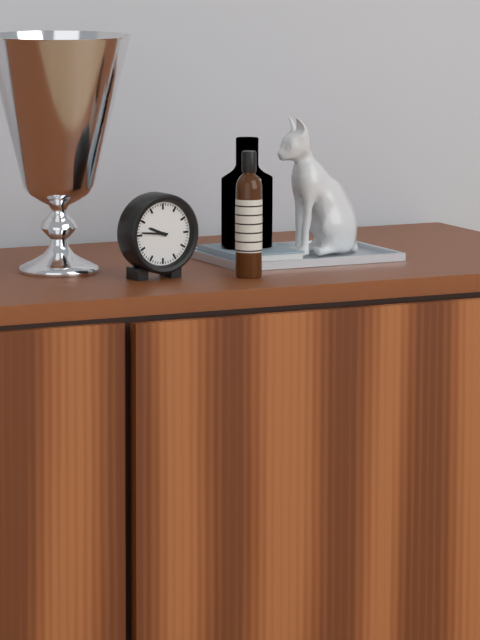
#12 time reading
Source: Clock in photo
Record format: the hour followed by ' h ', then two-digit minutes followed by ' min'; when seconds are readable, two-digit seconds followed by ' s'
9 h 46 min
